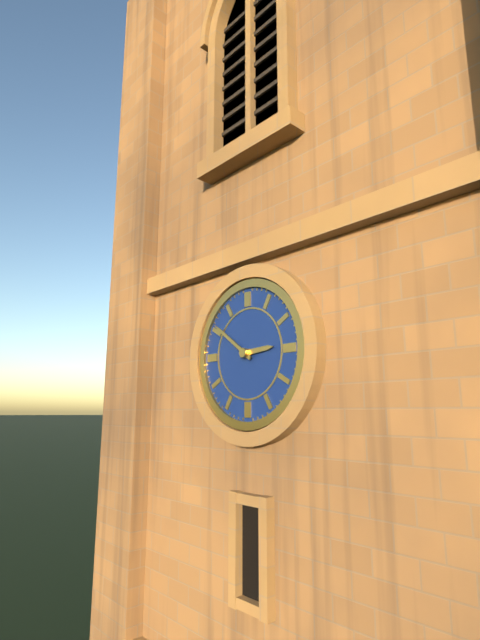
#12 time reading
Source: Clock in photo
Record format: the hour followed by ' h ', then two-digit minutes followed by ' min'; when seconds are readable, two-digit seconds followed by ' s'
2 h 51 min
